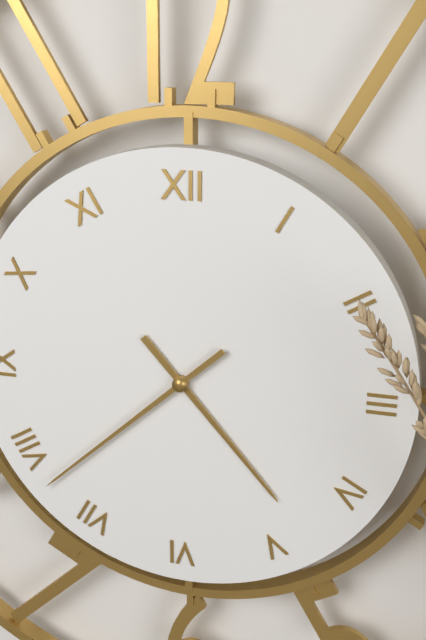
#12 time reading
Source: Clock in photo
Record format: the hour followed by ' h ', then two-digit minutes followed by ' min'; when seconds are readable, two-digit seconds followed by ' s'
4 h 38 min
